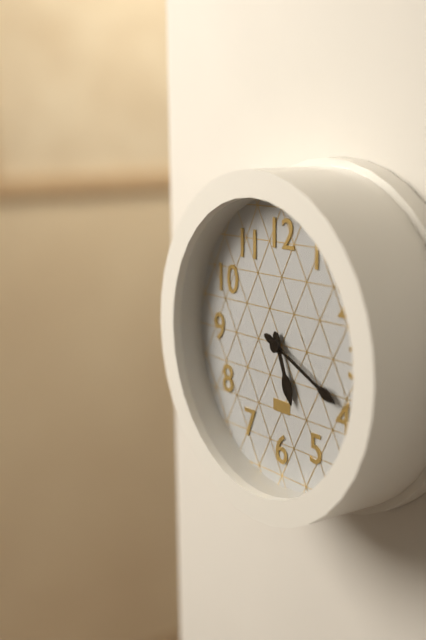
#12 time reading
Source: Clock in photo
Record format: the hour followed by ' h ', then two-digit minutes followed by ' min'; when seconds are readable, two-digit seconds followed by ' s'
5 h 19 min
